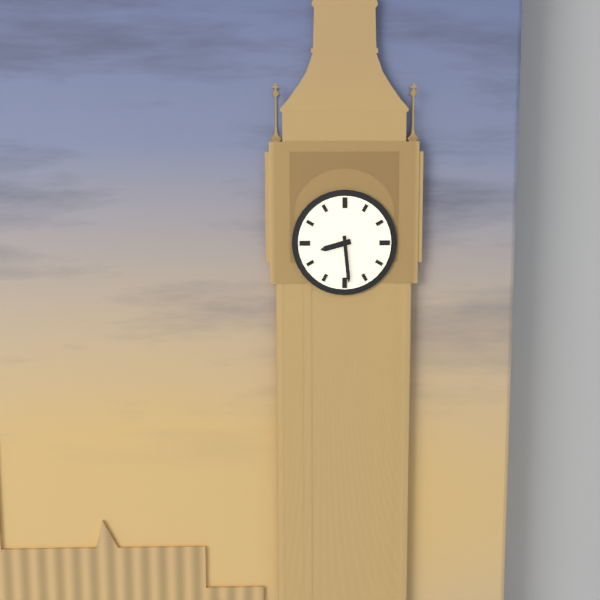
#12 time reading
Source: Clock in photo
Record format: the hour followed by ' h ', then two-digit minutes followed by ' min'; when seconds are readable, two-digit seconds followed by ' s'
8 h 29 min
